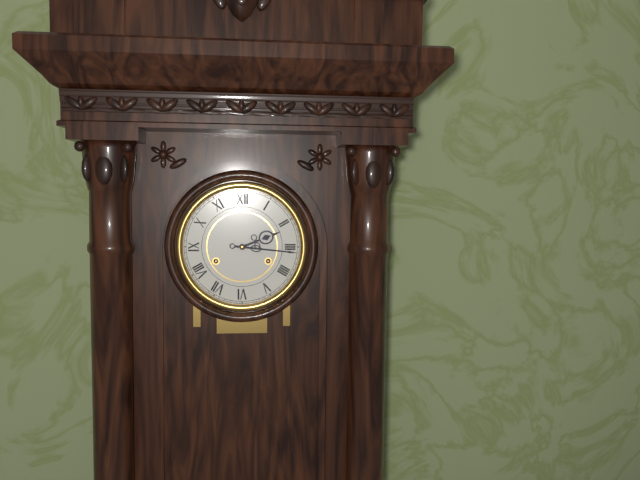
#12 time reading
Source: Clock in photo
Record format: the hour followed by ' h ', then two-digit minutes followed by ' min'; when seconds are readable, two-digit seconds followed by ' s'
2 h 16 min
